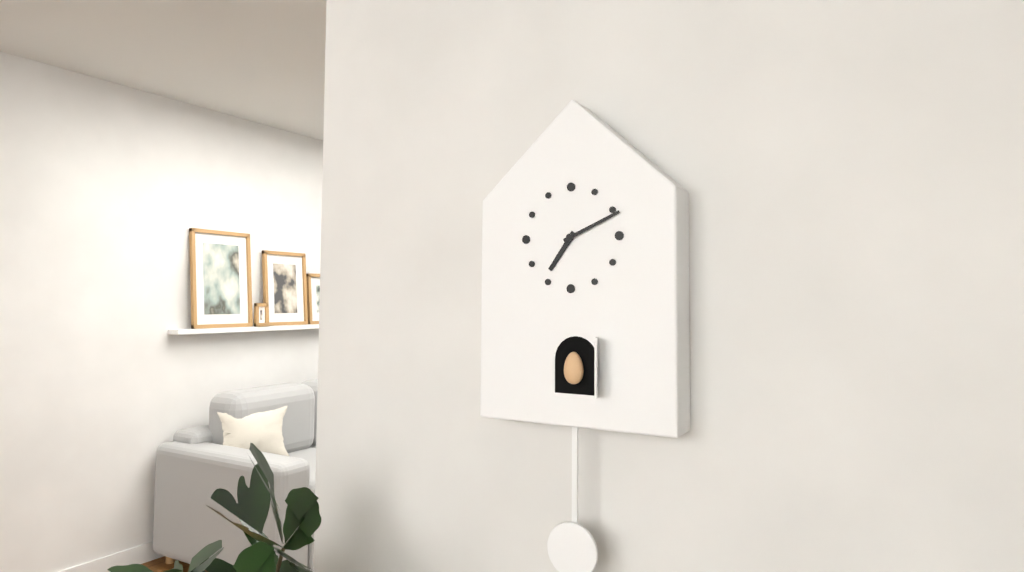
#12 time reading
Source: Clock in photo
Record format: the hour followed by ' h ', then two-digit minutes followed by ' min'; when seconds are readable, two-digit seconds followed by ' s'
7 h 11 min
